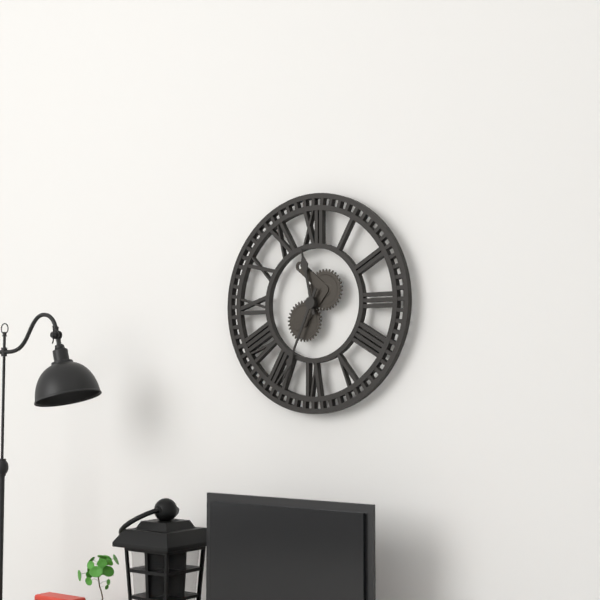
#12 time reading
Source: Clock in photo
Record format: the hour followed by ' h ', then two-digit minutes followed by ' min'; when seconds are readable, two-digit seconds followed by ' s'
11 h 34 min
